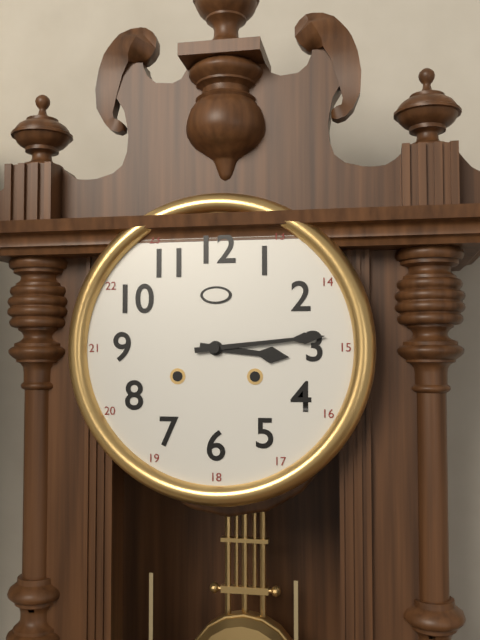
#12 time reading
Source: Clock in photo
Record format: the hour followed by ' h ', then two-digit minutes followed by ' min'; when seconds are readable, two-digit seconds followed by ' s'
3 h 14 min
